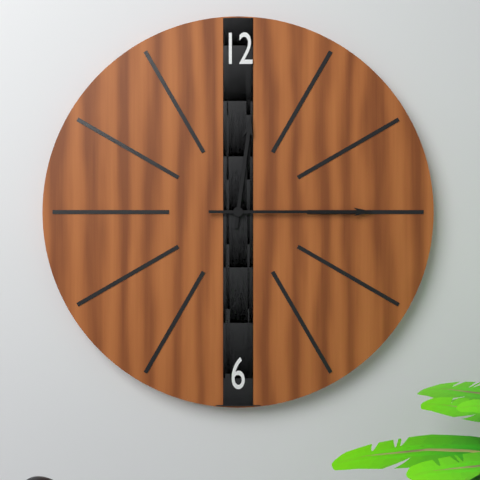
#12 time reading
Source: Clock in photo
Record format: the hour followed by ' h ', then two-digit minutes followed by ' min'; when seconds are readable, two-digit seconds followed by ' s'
12 h 15 min
